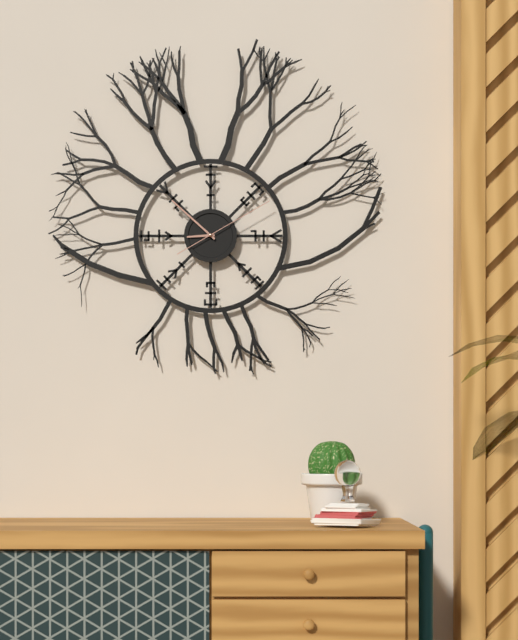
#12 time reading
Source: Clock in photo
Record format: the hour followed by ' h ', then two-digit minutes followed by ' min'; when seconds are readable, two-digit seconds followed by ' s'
8 h 52 min 10 s
